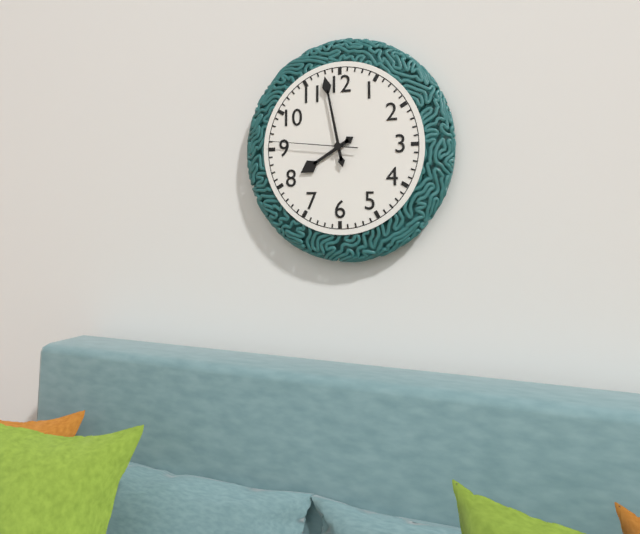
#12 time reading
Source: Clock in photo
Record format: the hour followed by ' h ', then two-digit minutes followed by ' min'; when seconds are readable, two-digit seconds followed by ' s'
7 h 58 min 46 s
